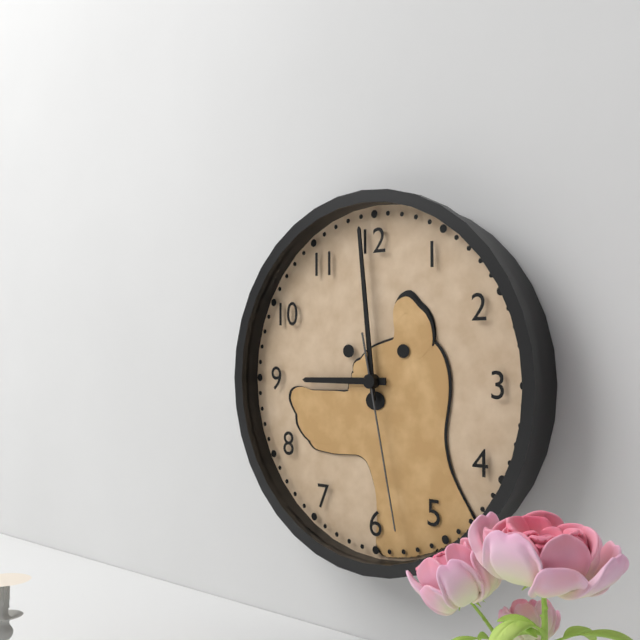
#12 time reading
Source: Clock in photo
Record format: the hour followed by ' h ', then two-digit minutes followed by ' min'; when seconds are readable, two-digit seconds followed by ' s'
8 h 59 min 28 s
